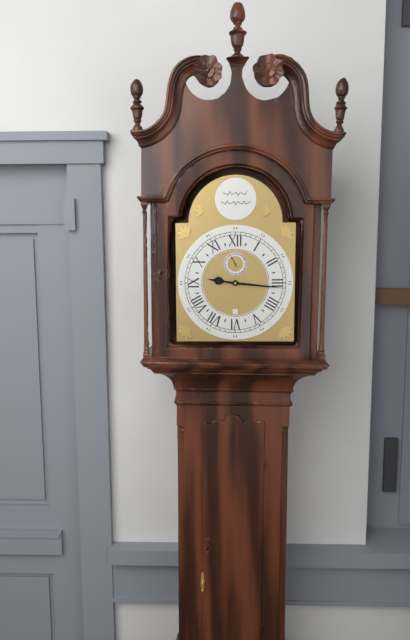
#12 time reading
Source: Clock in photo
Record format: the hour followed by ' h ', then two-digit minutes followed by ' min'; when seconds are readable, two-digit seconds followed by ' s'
9 h 16 min
